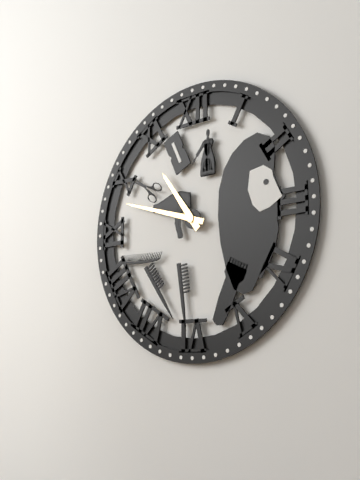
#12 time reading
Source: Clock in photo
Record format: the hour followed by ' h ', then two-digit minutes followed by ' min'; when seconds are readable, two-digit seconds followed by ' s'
10 h 48 min
